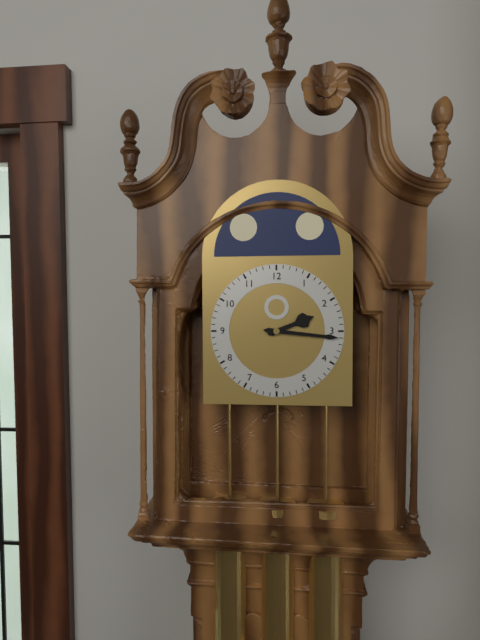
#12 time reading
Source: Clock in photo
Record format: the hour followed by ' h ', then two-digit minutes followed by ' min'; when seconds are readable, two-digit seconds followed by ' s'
2 h 16 min
